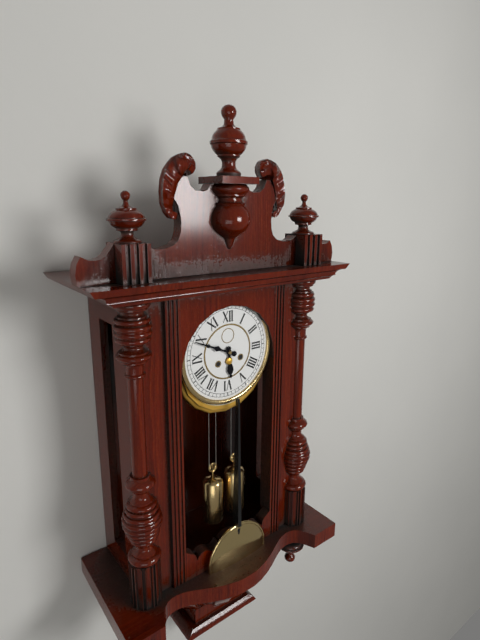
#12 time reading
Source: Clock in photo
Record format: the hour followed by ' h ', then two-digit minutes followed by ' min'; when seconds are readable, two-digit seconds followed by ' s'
5 h 49 min
